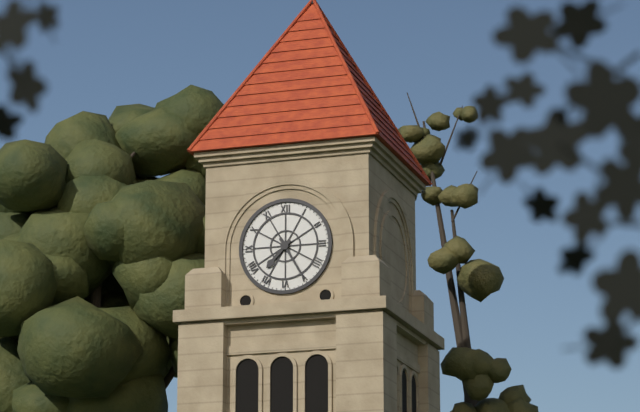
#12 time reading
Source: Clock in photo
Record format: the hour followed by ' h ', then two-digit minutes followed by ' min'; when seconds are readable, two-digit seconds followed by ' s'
7 h 25 min
